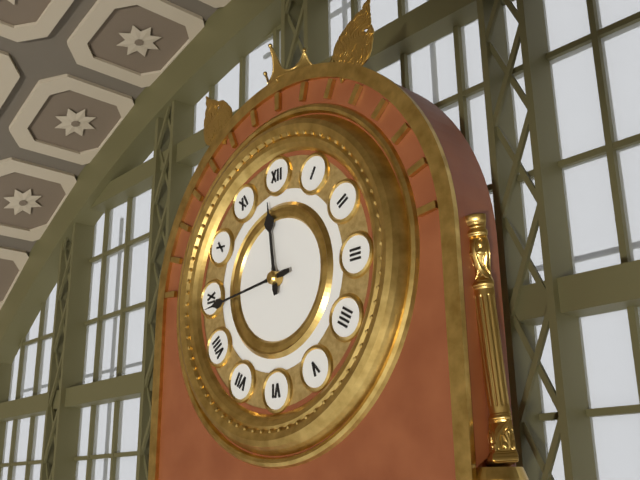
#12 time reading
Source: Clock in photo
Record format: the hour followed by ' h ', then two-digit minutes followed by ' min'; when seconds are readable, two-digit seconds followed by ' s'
11 h 44 min
